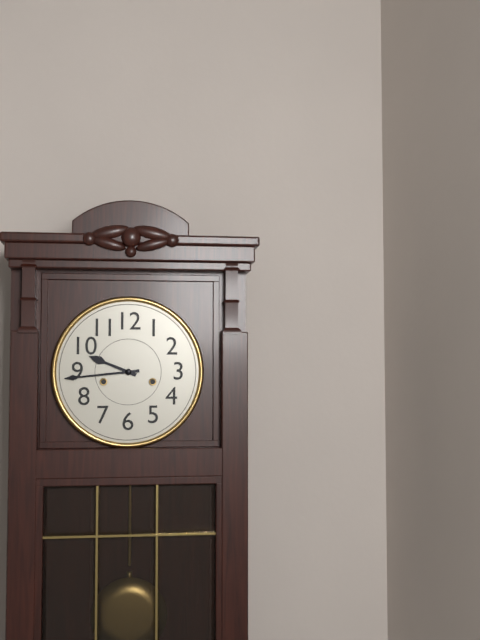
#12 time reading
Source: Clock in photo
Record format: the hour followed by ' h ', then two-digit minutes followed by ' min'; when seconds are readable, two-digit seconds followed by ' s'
9 h 44 min
